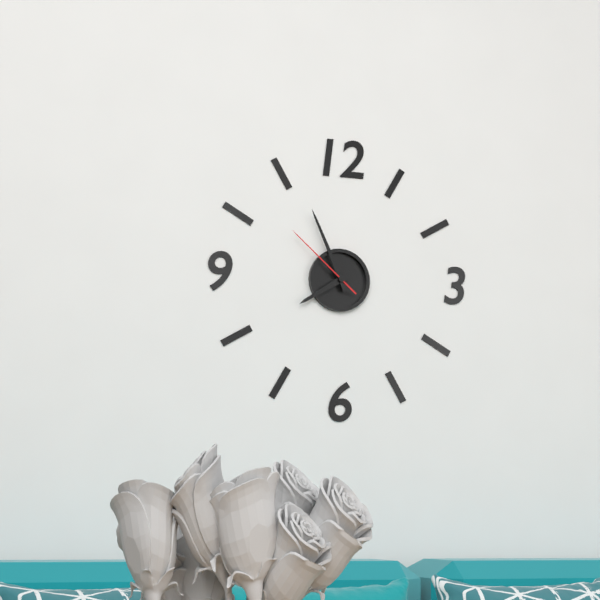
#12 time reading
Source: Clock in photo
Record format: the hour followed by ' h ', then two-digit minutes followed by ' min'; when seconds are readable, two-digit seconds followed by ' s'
7 h 56 min 52 s
